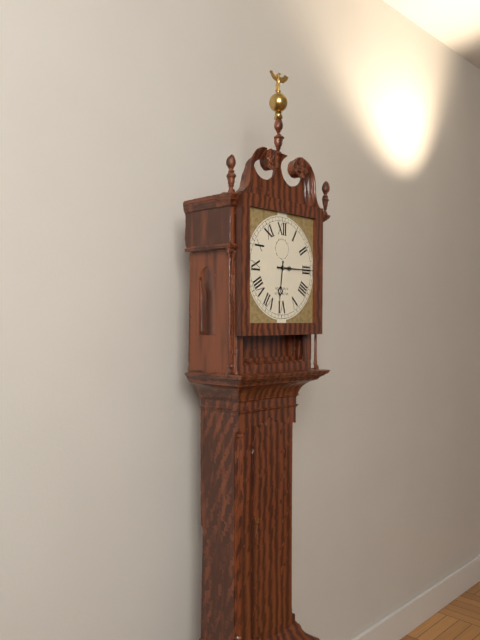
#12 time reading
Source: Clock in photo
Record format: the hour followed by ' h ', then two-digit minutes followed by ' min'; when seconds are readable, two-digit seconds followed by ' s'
6 h 15 min
